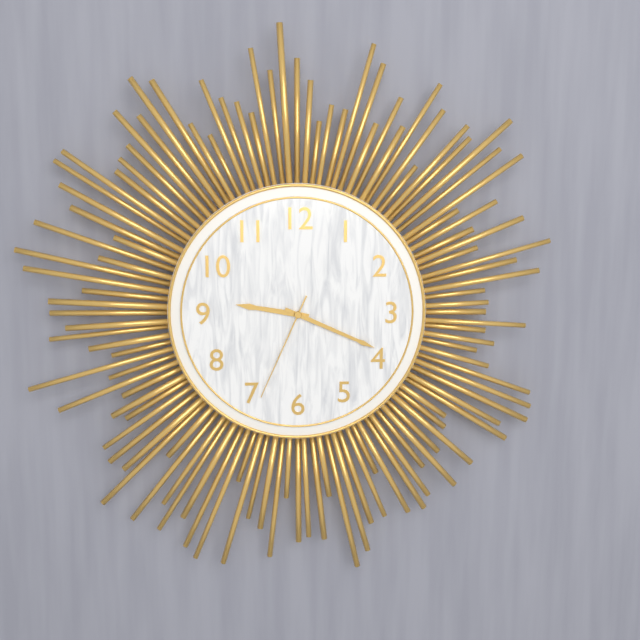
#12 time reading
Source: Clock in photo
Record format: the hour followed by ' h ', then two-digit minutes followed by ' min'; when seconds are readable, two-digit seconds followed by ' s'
9 h 19 min 34 s
